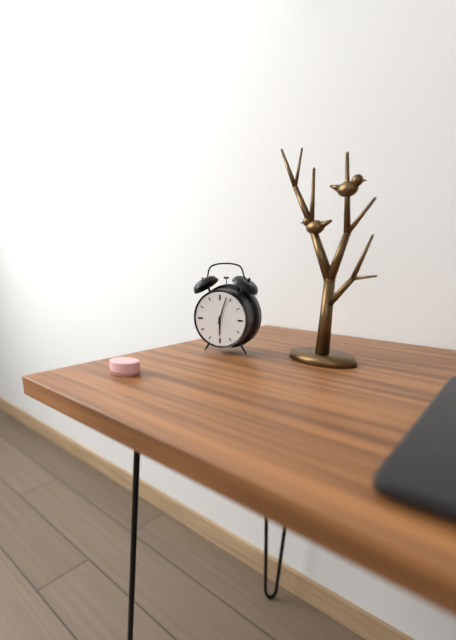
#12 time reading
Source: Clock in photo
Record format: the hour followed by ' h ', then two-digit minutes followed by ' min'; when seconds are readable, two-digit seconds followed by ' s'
6 h 03 min
